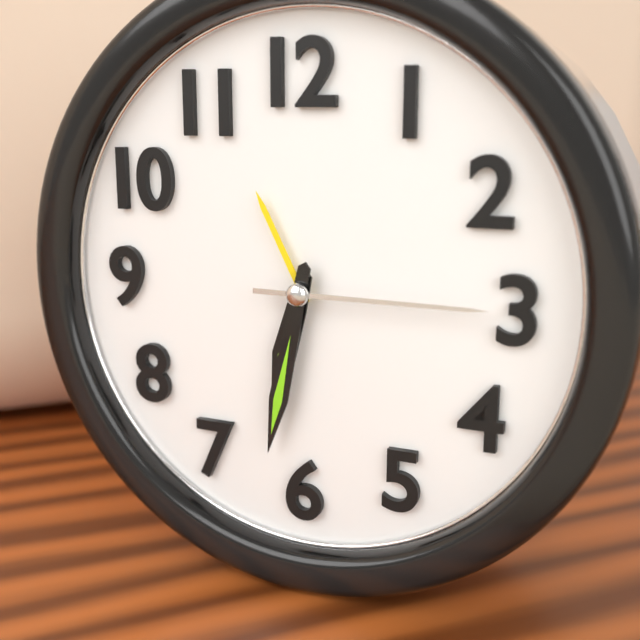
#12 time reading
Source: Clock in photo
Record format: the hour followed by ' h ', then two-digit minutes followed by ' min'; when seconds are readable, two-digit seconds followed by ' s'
6 h 32 min 15 s
